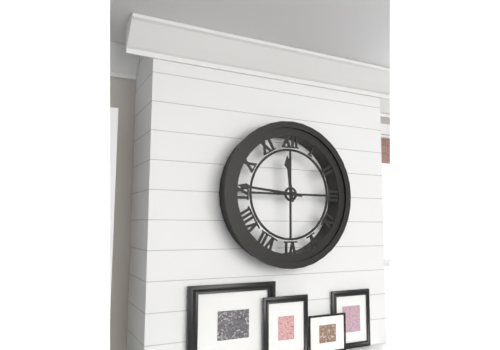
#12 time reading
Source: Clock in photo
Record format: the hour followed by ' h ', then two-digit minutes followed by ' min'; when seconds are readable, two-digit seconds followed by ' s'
11 h 46 min
